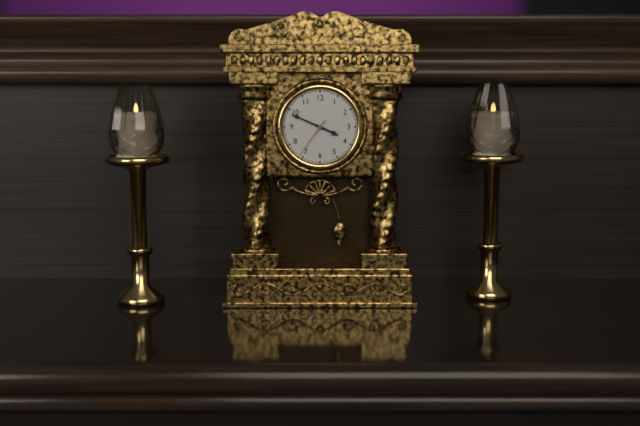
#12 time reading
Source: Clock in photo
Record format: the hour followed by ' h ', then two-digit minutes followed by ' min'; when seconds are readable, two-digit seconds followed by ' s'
3 h 49 min
